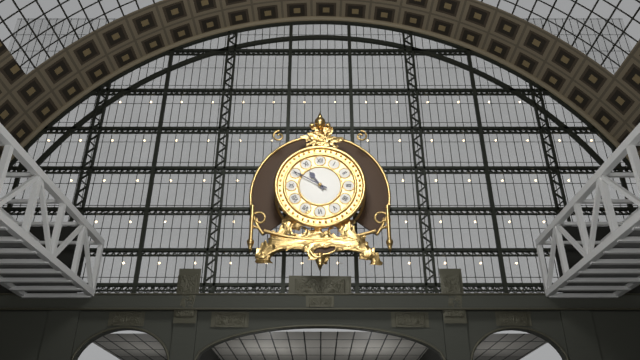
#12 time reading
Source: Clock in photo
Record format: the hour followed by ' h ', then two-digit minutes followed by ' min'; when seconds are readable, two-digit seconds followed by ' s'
10 h 50 min
